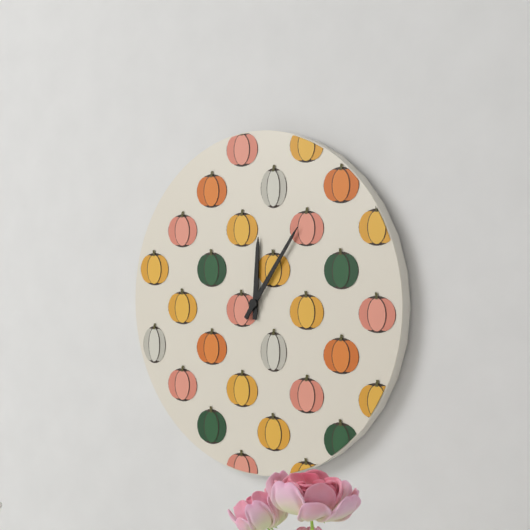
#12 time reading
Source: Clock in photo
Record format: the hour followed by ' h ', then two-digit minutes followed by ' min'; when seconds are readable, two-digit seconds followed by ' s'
12 h 06 min
